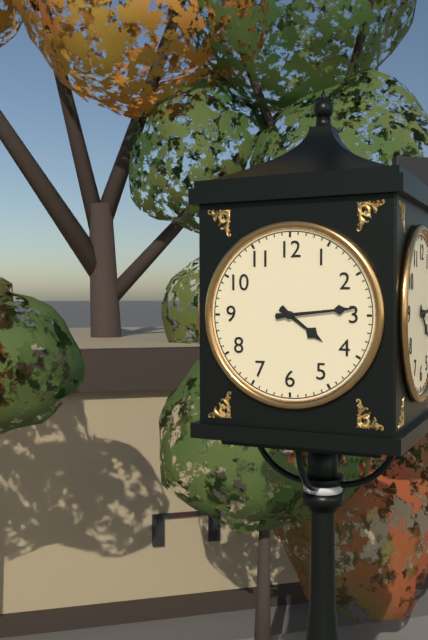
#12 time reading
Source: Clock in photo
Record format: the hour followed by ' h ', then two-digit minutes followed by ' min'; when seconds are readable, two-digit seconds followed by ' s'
4 h 14 min
